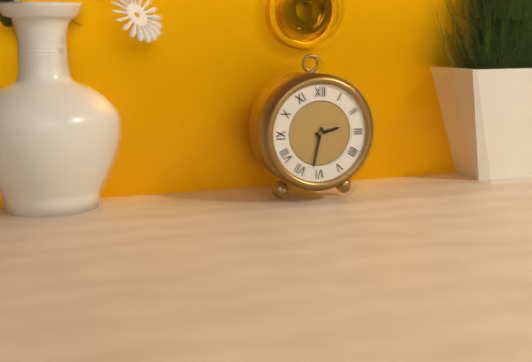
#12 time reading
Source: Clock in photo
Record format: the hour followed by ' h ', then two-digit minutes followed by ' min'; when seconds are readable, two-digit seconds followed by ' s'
2 h 32 min
